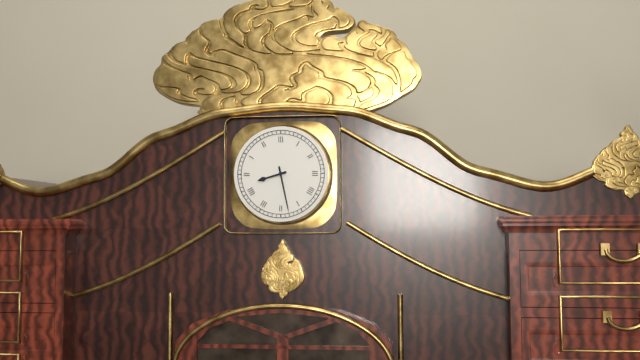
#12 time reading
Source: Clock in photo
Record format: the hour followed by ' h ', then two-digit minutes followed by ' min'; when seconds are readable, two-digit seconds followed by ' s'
8 h 28 min
